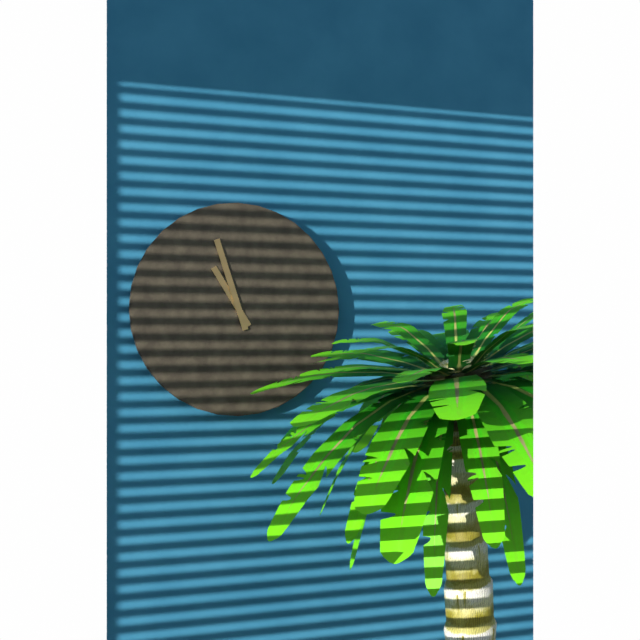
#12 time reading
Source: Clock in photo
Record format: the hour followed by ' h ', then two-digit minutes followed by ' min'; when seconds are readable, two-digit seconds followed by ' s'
10 h 57 min
